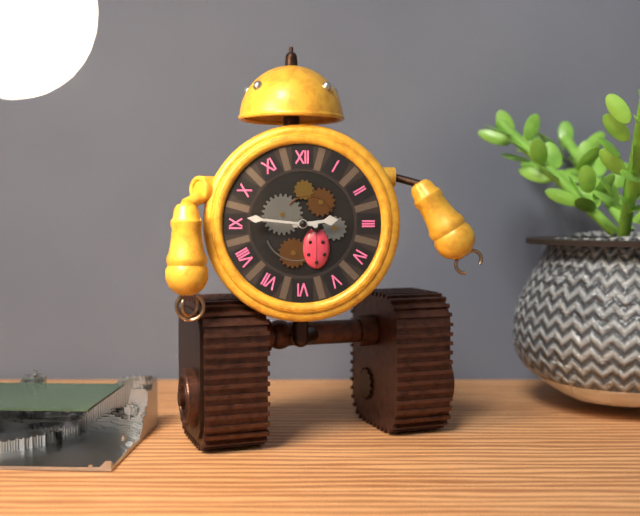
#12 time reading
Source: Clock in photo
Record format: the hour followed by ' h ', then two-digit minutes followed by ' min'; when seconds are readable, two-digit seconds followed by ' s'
2 h 46 min
